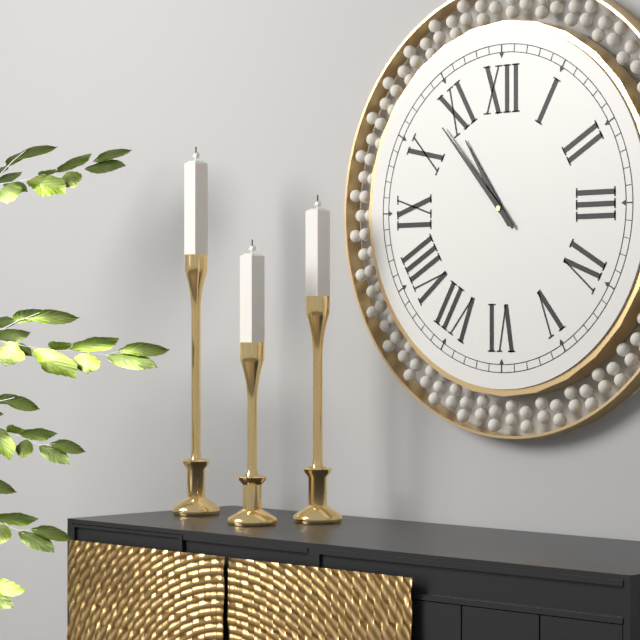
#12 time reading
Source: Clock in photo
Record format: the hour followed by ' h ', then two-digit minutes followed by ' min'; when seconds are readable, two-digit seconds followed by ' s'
10 h 53 min
